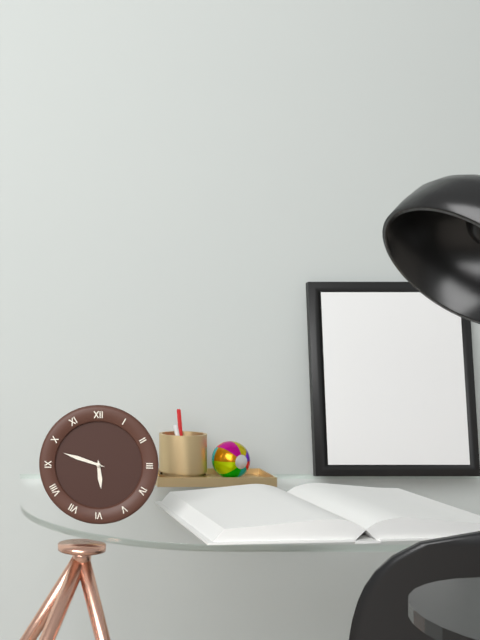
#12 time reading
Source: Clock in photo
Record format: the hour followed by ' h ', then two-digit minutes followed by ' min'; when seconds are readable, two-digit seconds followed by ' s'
5 h 48 min
